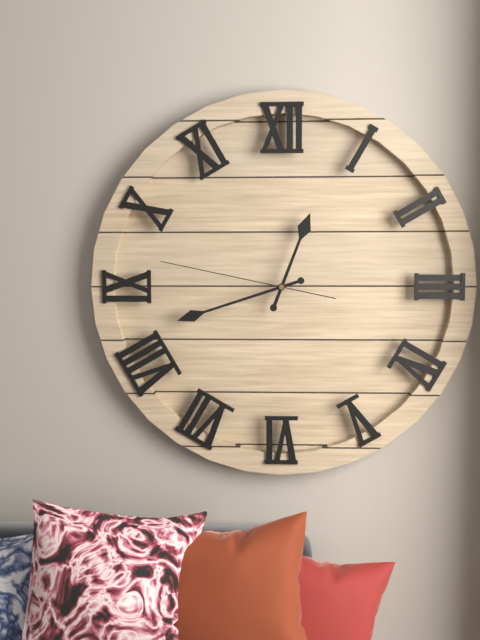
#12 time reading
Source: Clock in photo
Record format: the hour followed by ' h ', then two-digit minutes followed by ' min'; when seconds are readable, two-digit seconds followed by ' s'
12 h 42 min 47 s
